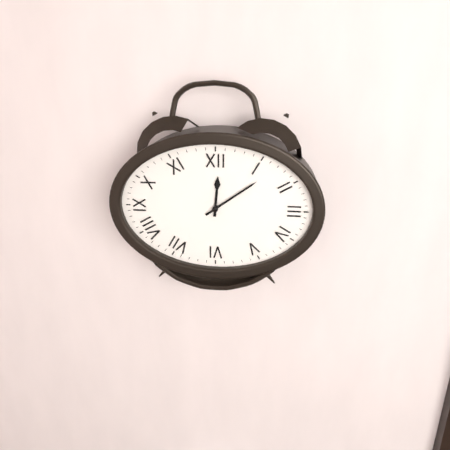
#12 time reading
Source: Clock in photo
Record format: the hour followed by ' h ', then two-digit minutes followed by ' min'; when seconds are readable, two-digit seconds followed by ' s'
12 h 09 min
